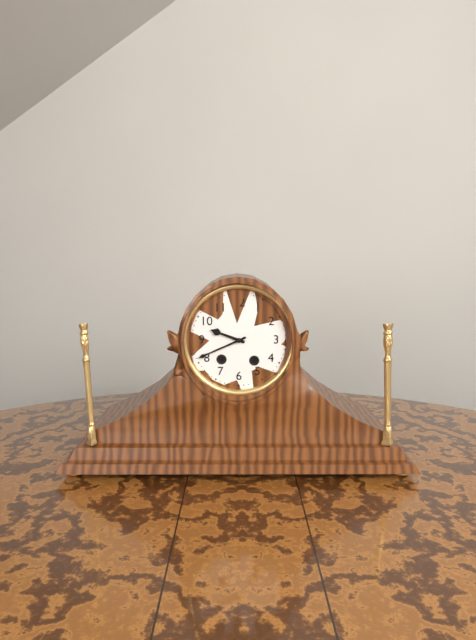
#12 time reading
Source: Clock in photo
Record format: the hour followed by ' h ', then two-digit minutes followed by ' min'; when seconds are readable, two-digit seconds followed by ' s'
9 h 41 min
